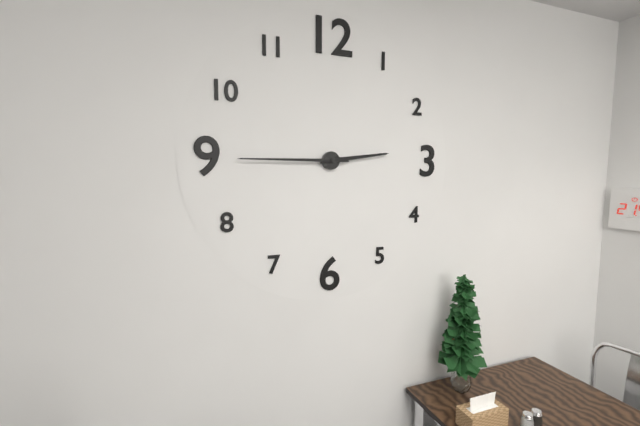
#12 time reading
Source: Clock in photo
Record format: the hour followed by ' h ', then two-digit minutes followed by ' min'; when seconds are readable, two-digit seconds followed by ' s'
2 h 45 min
